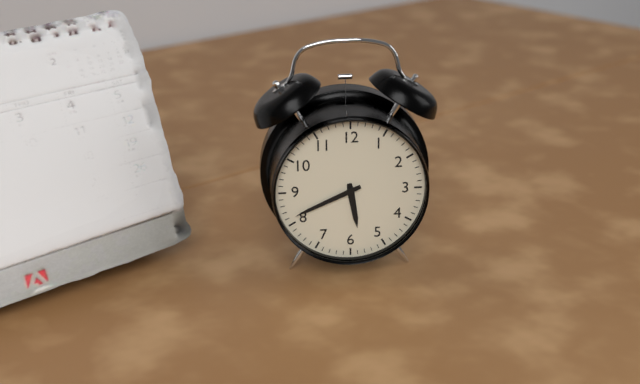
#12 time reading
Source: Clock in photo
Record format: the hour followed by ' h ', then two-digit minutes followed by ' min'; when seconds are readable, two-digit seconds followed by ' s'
5 h 41 min
